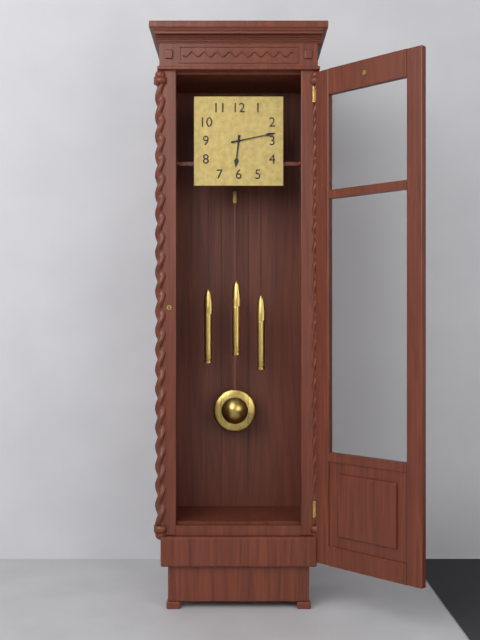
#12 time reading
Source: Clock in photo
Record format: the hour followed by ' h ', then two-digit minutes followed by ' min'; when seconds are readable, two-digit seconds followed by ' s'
6 h 13 min
